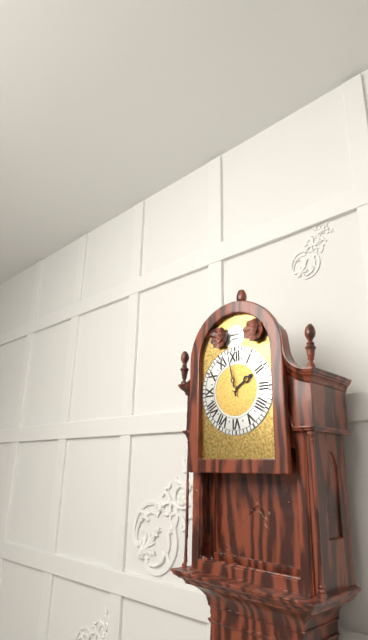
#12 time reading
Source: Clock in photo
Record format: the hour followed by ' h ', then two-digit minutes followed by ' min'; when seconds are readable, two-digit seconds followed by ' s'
1 h 58 min
